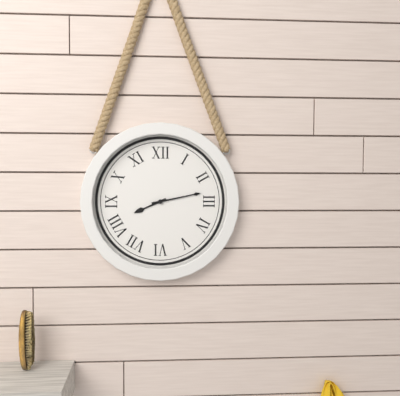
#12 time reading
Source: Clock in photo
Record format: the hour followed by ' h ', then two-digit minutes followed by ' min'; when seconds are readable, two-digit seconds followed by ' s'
8 h 13 min
